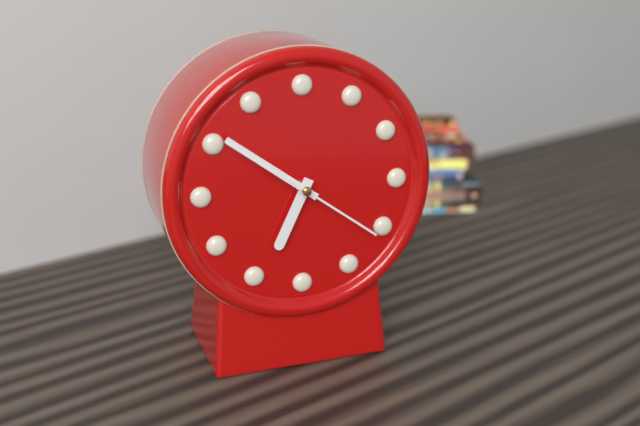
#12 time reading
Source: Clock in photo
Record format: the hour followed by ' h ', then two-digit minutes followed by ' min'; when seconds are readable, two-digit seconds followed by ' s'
6 h 51 min 21 s
